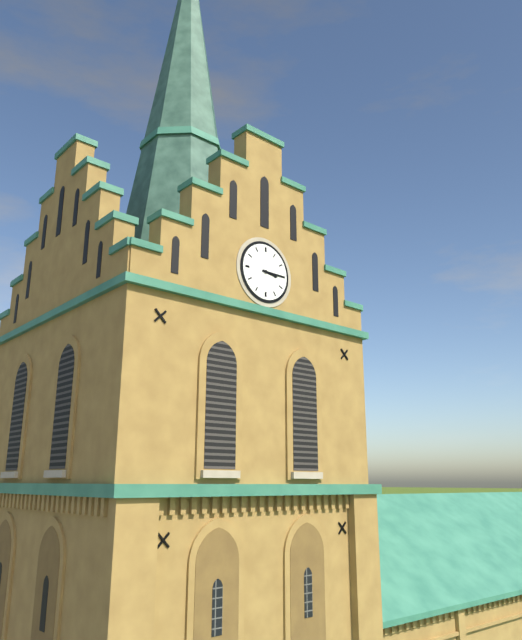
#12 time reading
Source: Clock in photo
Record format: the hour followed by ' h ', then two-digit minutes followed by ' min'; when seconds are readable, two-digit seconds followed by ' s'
3 h 15 min
